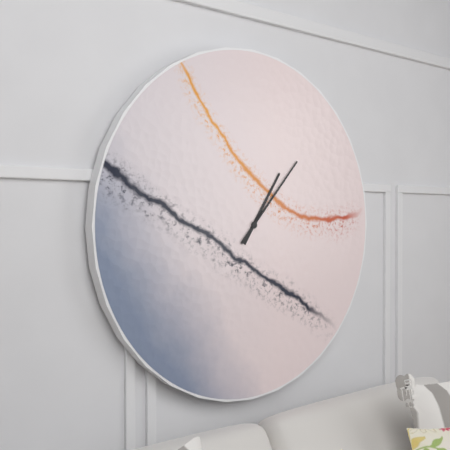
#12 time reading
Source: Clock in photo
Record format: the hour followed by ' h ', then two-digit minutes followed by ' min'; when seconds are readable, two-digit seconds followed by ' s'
1 h 07 min
